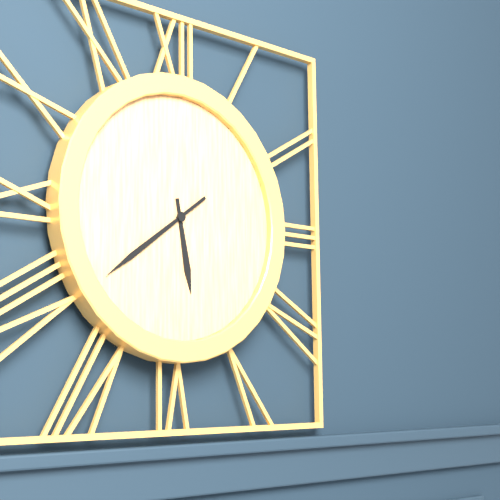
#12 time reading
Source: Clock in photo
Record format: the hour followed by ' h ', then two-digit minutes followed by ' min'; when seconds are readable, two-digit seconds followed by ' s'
5 h 39 min
